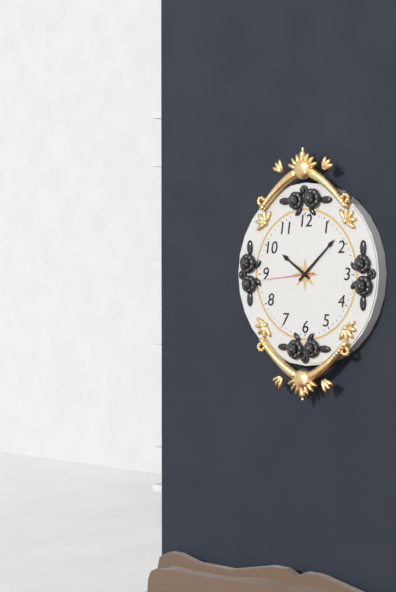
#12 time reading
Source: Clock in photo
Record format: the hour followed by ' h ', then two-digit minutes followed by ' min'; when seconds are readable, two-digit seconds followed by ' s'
10 h 08 min 44 s
